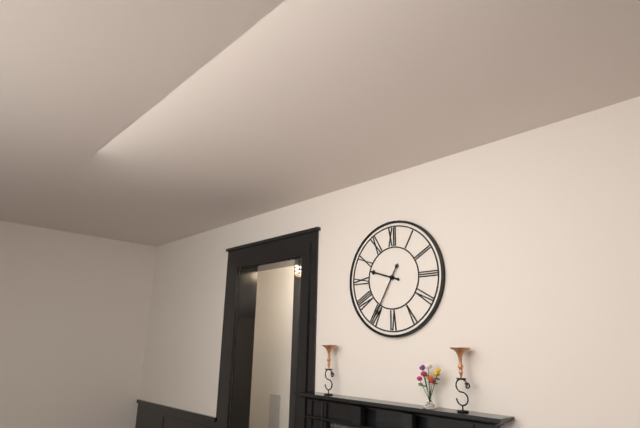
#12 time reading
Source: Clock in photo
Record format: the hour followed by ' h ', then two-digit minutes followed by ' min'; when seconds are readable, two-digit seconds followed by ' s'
9 h 35 min
